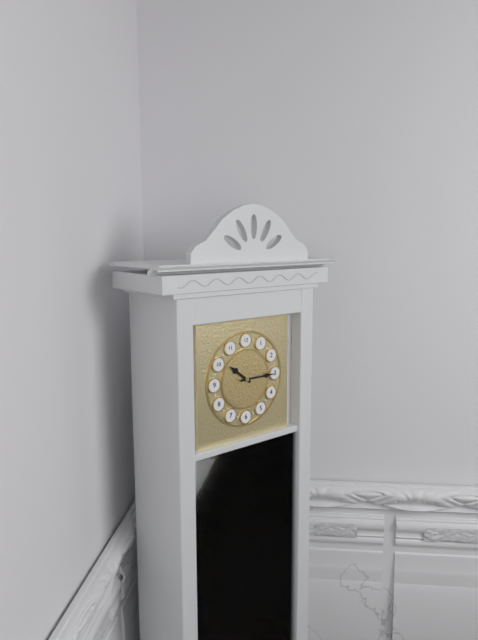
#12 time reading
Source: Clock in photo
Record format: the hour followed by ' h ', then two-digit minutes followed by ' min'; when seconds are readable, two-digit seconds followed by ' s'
10 h 15 min
